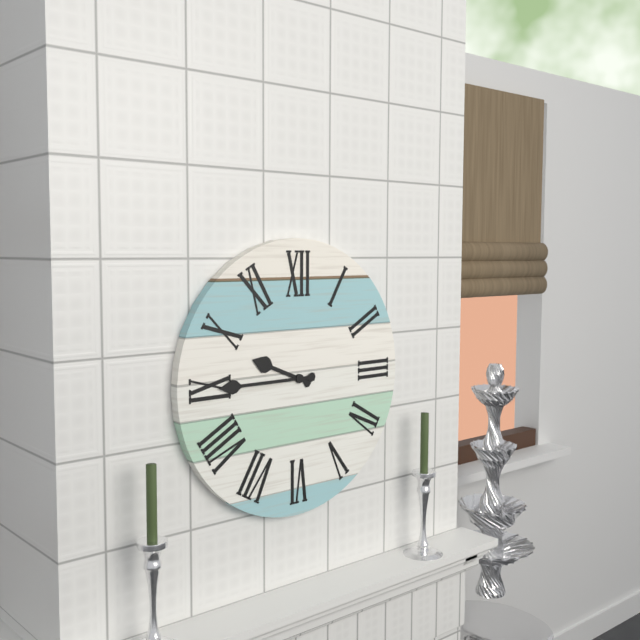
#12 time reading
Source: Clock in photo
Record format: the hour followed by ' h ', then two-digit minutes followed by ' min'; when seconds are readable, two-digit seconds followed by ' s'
9 h 45 min
